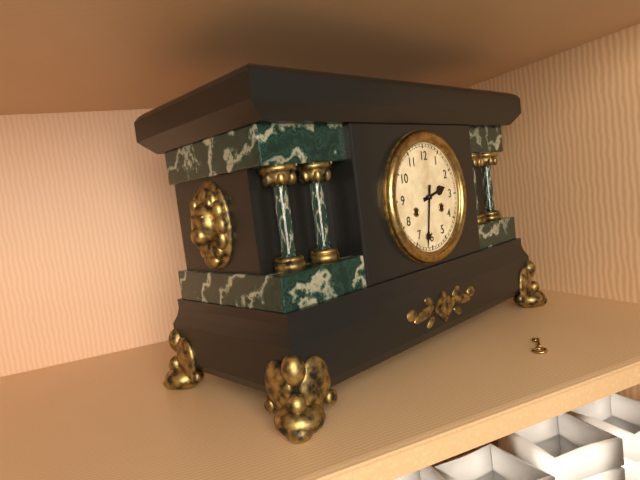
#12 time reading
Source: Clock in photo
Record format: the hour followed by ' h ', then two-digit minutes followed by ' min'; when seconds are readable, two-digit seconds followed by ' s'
2 h 32 min
